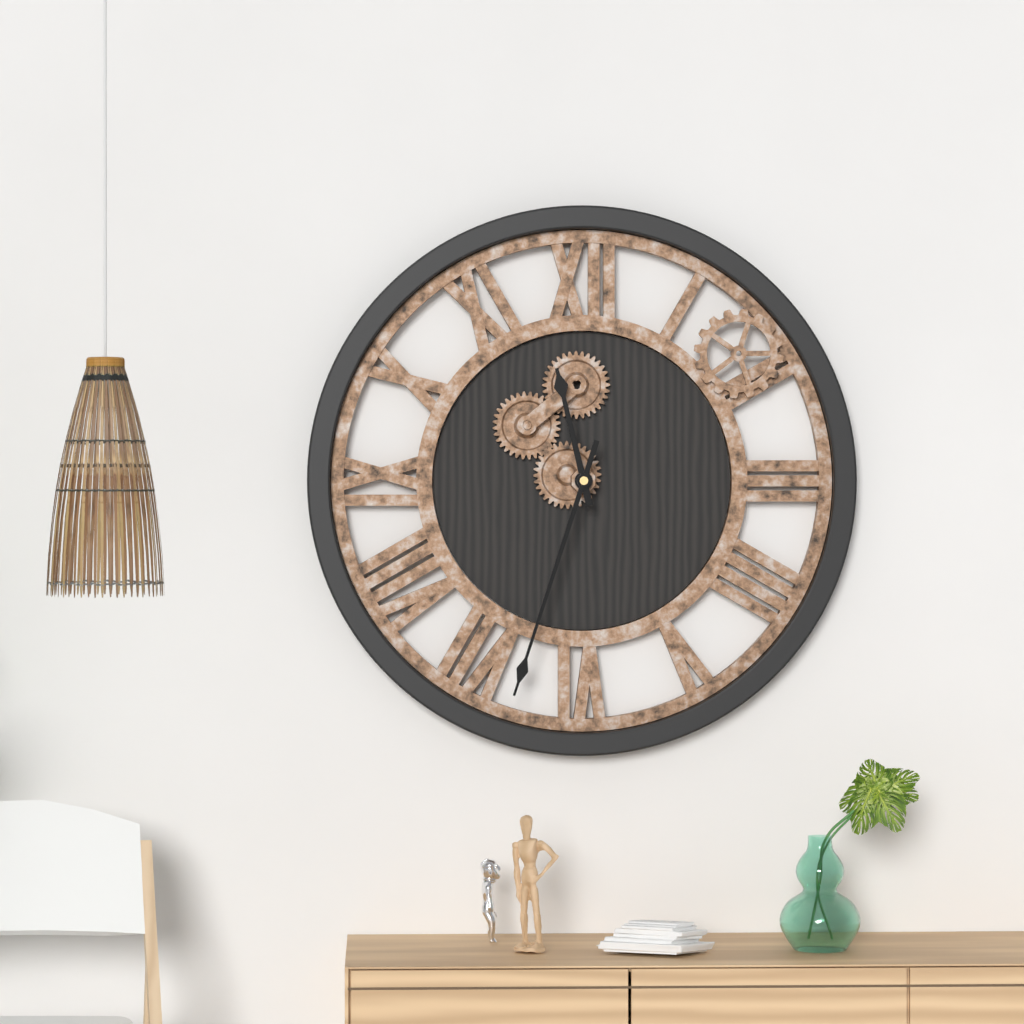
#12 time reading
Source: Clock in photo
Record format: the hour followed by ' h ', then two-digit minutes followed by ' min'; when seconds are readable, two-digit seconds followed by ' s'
11 h 33 min
